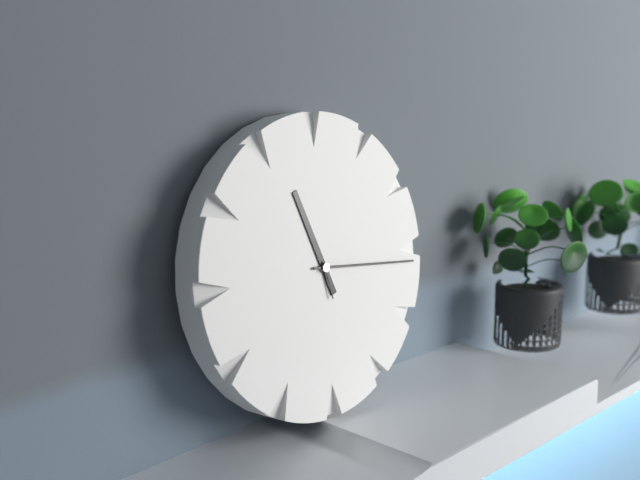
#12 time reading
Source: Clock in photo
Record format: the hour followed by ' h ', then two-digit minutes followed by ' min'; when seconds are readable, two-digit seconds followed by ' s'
11 h 16 min
